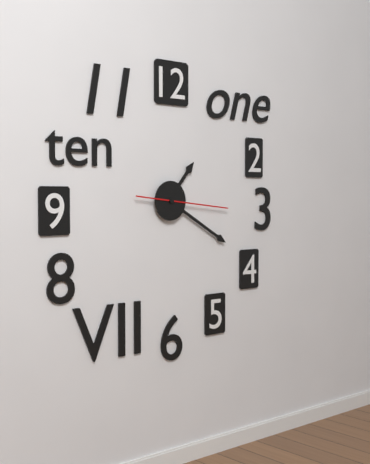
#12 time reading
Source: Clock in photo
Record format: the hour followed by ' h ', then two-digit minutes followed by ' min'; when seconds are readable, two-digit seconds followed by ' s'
1 h 20 min 16 s
